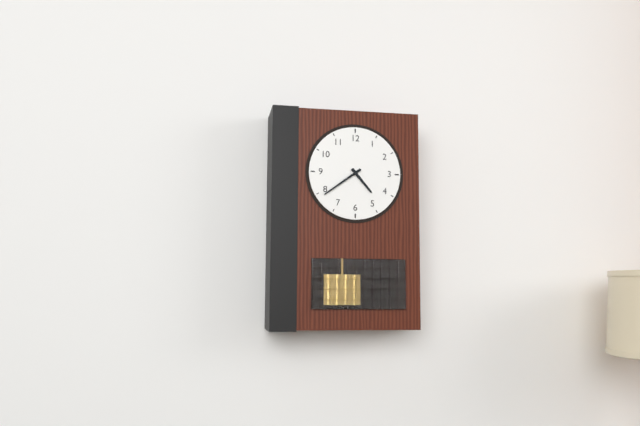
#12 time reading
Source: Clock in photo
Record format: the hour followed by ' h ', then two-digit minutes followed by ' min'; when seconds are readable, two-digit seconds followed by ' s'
4 h 39 min
